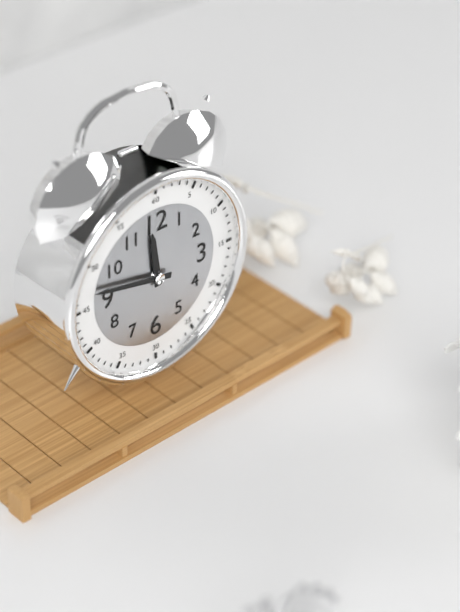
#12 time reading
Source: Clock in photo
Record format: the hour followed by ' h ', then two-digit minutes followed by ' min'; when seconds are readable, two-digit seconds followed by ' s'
11 h 47 min
